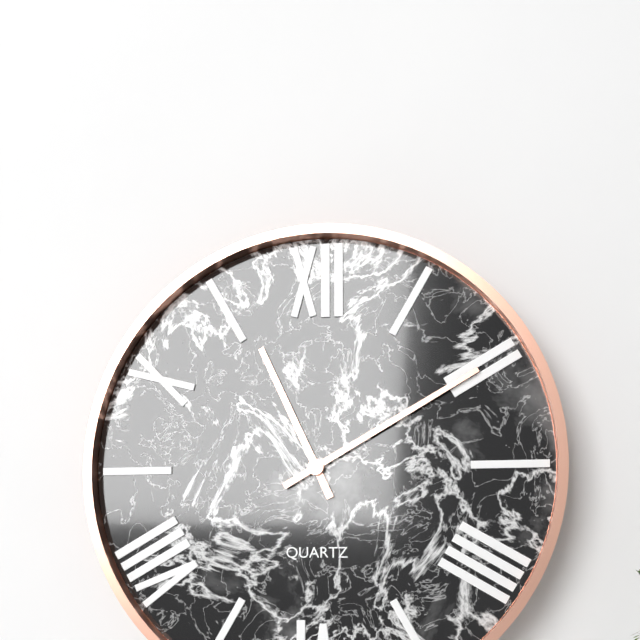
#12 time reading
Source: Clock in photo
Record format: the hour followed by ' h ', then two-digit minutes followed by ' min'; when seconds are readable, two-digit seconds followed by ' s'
11 h 10 min
